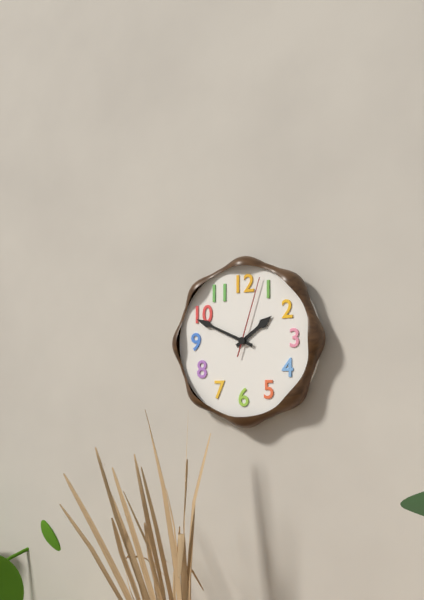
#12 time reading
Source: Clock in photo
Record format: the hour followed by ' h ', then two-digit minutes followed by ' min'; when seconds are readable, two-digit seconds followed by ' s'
1 h 49 min 03 s
